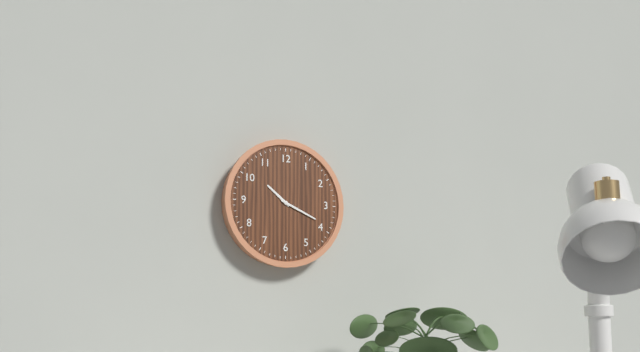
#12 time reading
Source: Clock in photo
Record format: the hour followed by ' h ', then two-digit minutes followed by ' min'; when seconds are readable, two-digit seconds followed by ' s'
10 h 19 min
